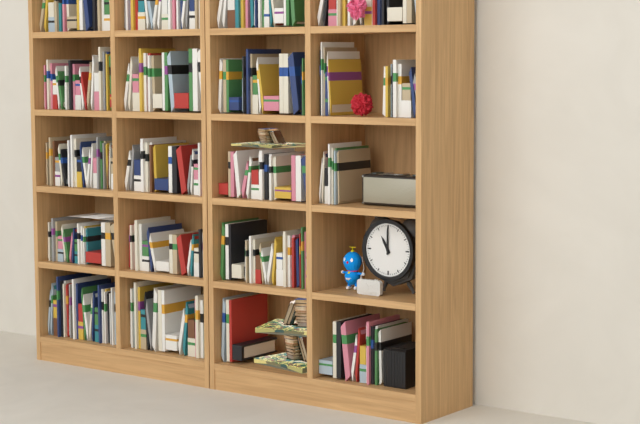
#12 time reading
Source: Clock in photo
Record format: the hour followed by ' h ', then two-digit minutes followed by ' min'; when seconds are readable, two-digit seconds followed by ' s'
11 h 00 min
